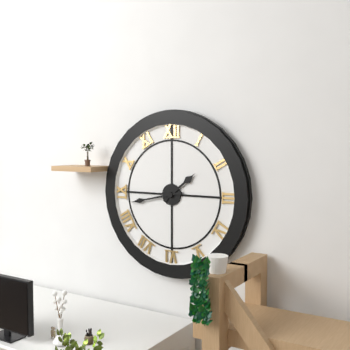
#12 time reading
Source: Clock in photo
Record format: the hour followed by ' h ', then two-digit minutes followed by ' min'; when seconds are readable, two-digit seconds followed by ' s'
1 h 43 min
